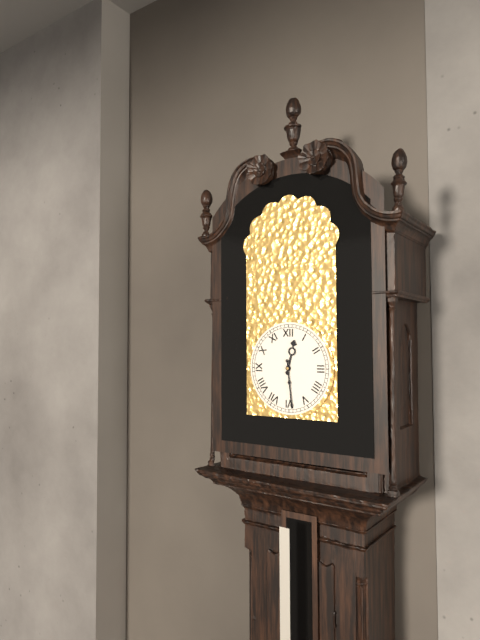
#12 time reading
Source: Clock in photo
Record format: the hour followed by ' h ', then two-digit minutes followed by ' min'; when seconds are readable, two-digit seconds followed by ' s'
12 h 29 min
